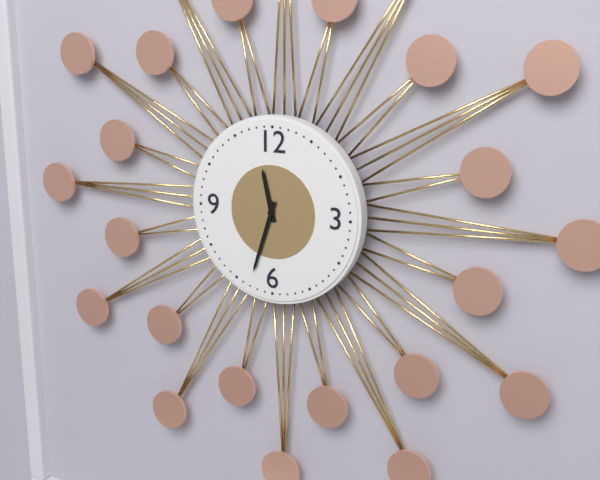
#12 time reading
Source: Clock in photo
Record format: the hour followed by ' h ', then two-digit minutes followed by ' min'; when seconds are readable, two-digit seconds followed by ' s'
11 h 33 min
